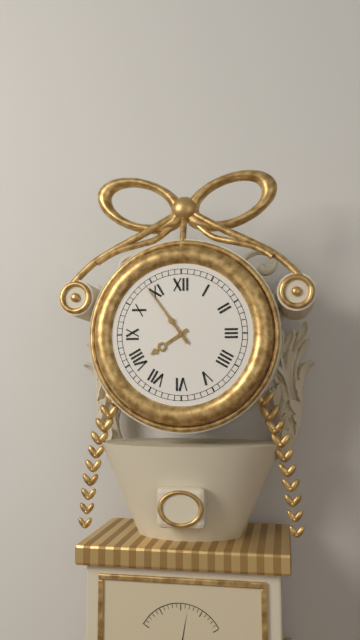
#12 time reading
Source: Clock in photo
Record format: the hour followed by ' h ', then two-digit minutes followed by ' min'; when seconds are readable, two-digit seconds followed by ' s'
7 h 54 min
